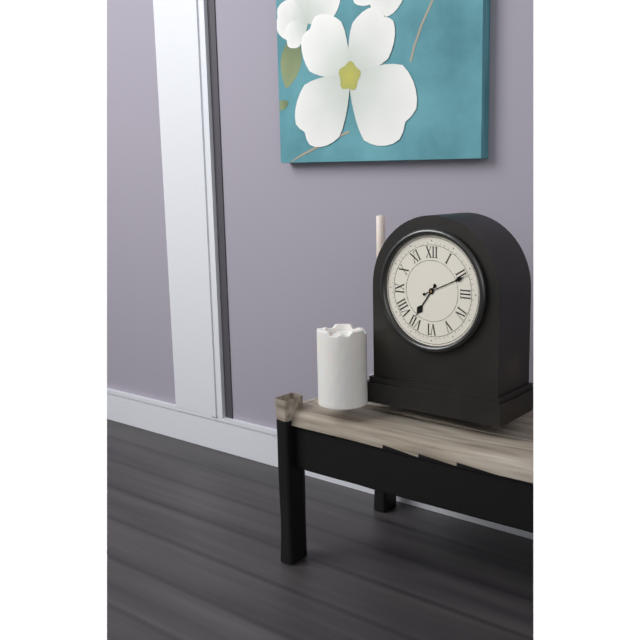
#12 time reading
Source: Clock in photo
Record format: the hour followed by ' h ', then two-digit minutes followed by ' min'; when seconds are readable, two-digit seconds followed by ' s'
7 h 11 min
